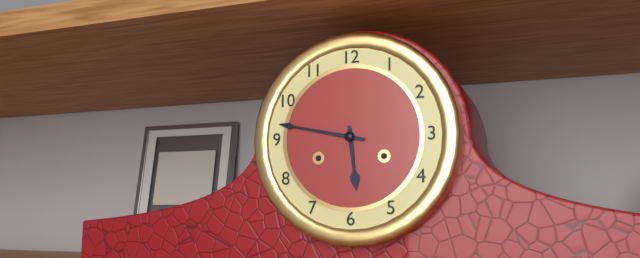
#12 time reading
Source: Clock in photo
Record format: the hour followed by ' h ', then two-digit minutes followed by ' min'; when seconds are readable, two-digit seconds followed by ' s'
5 h 47 min
